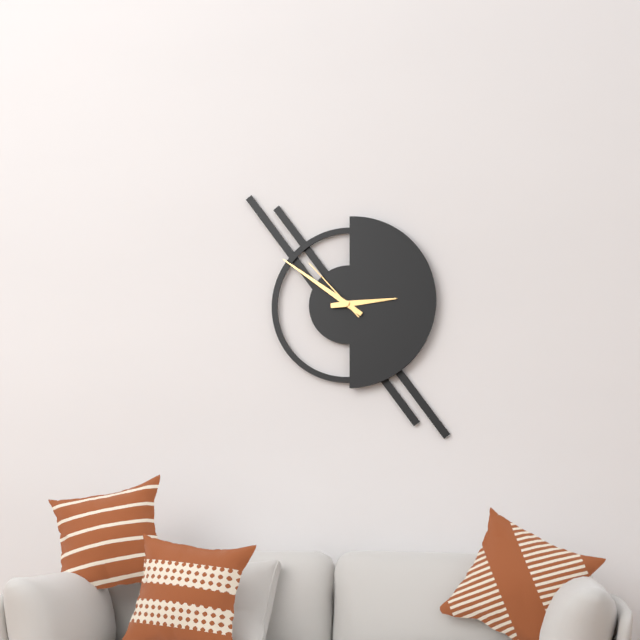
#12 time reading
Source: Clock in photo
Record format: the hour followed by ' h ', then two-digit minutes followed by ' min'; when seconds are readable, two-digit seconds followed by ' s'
2 h 51 min 53 s
